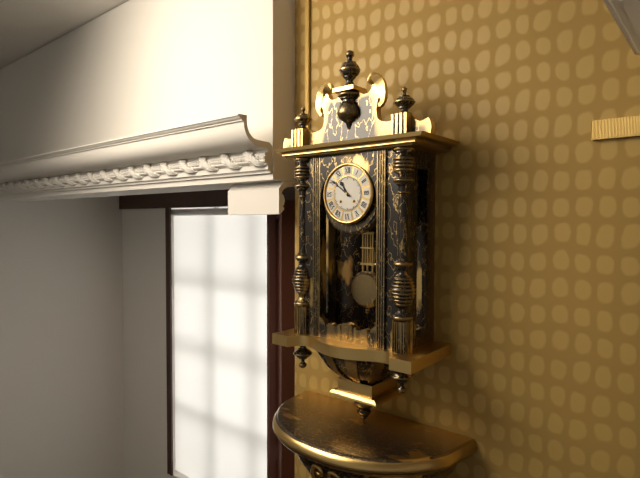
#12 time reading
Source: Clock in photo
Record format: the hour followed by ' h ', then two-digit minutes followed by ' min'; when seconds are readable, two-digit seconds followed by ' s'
10 h 51 min
